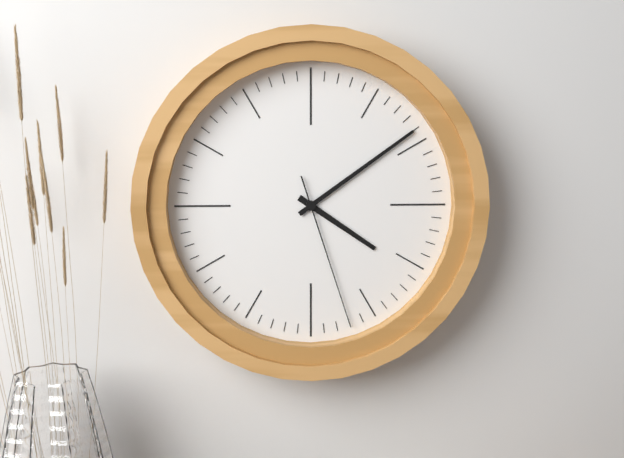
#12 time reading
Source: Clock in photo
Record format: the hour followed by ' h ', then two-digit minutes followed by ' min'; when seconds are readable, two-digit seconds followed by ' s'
4 h 09 min 27 s
